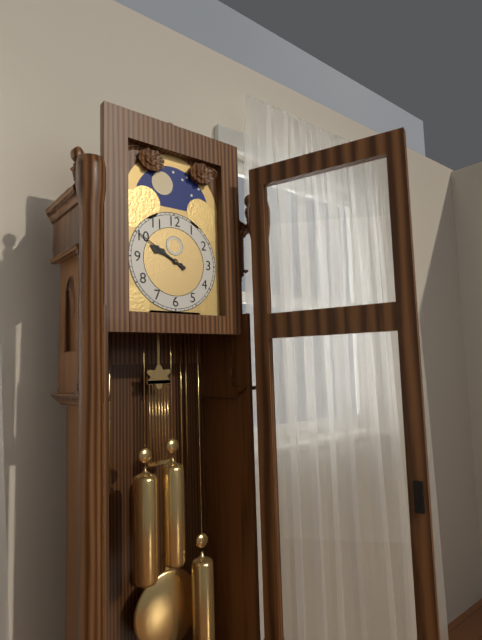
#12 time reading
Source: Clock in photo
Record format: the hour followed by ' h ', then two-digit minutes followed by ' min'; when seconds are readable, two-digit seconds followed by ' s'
9 h 50 min
